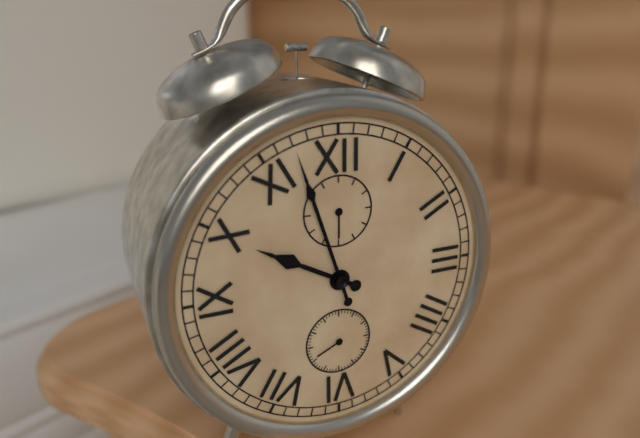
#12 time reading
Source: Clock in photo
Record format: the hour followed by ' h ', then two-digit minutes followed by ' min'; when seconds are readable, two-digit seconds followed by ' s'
9 h 57 min
